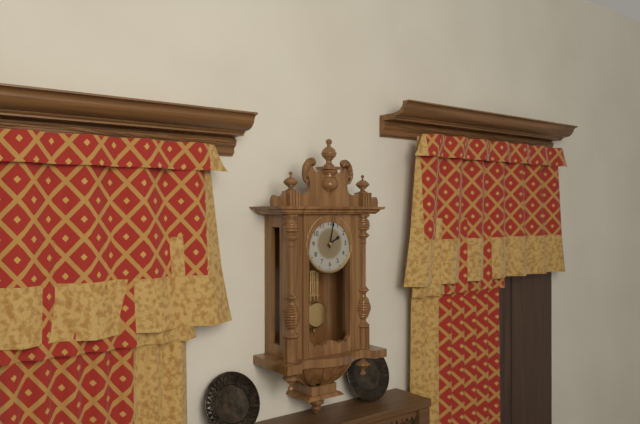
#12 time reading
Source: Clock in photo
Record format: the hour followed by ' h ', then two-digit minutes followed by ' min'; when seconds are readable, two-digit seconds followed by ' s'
2 h 02 min
